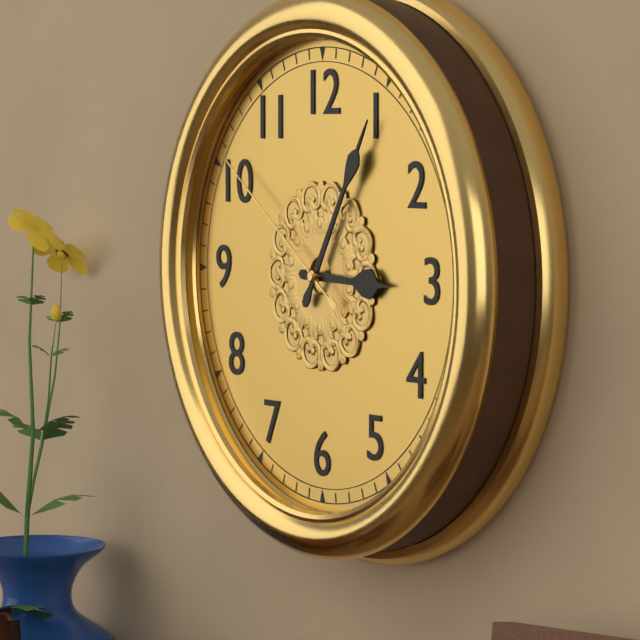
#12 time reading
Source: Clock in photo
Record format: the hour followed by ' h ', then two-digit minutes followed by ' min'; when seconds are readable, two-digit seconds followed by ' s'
3 h 05 min 51 s
